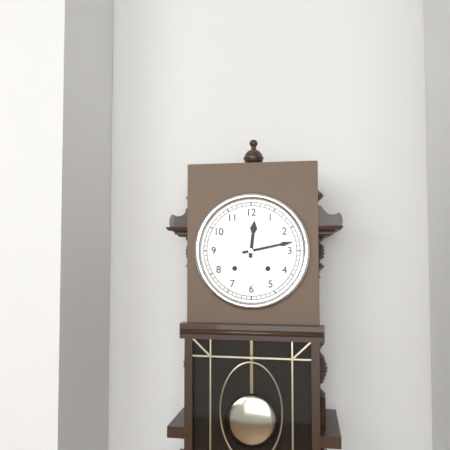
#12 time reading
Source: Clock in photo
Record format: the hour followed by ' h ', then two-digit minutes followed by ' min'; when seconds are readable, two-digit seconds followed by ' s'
12 h 13 min
